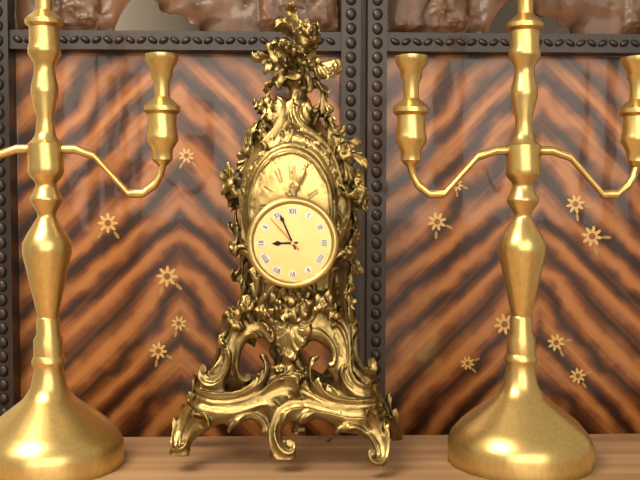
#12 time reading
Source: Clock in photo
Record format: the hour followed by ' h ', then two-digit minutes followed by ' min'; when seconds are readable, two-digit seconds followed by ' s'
8 h 56 min
